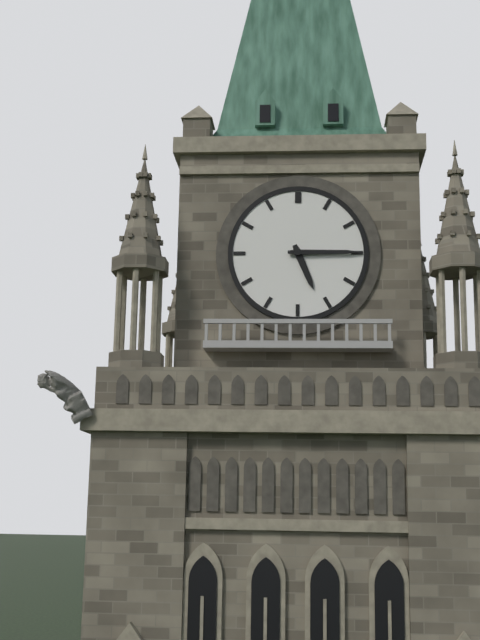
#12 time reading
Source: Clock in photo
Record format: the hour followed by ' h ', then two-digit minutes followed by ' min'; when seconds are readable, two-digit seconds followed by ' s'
5 h 15 min
